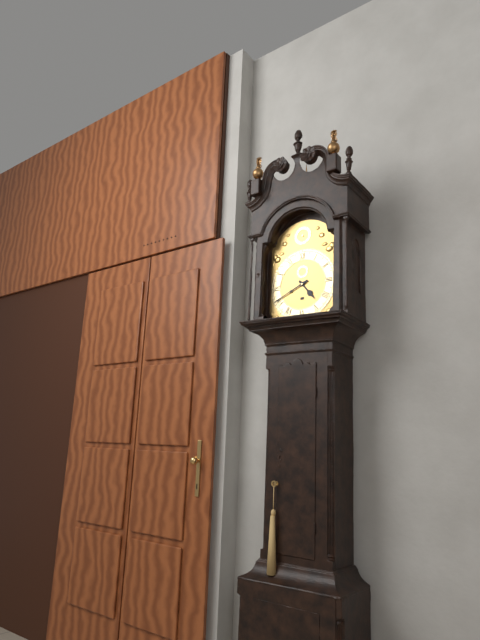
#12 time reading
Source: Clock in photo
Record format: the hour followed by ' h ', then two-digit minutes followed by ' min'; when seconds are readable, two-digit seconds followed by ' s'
4 h 41 min
